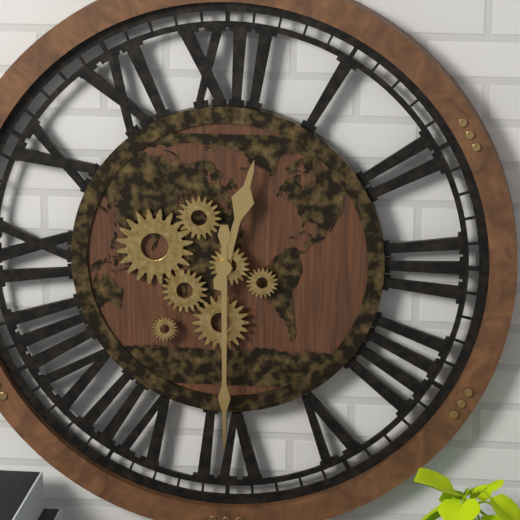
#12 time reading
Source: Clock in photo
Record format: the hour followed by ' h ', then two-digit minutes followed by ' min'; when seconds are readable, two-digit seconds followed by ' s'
12 h 30 min
